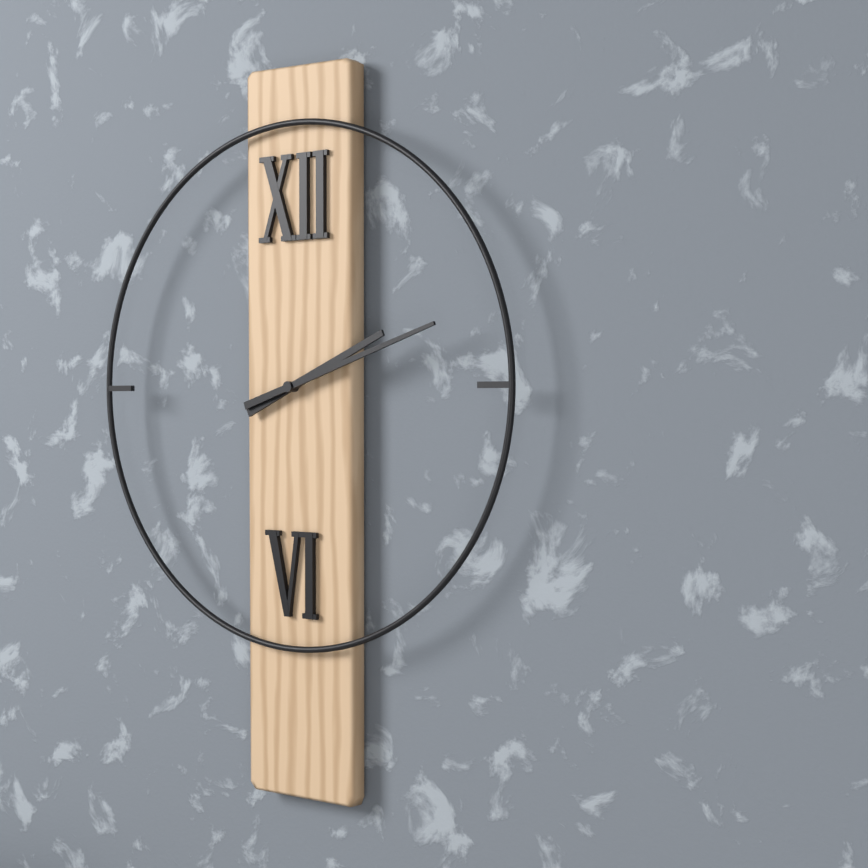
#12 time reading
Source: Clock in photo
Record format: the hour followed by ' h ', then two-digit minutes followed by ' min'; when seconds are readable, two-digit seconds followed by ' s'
2 h 12 min
